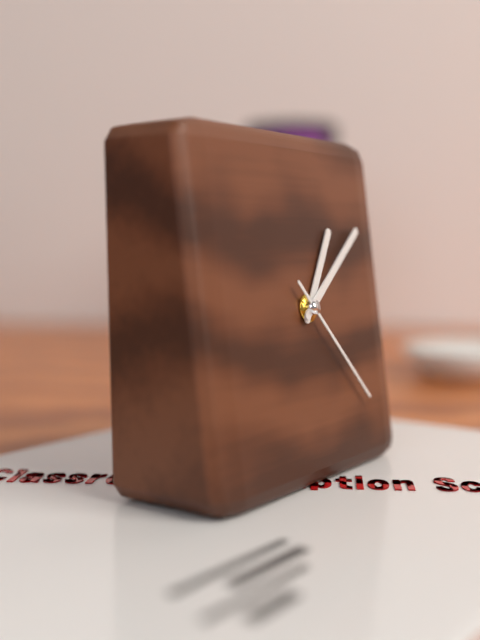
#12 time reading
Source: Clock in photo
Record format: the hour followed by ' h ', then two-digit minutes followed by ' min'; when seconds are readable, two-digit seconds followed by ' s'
1 h 09 min 23 s
